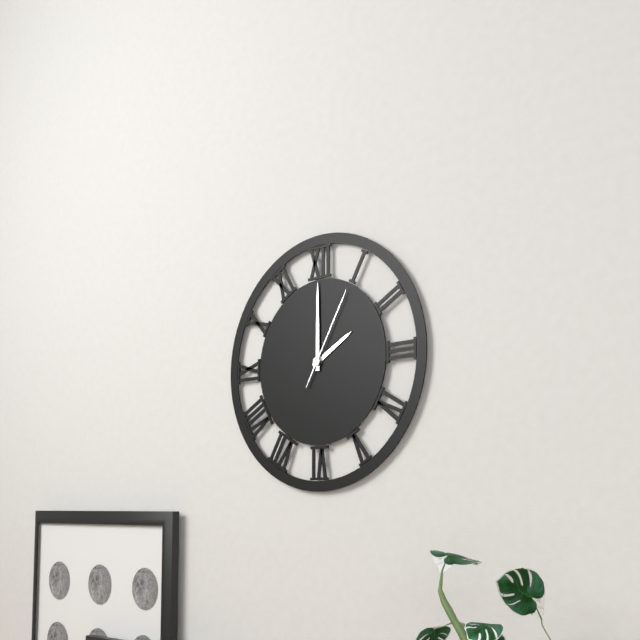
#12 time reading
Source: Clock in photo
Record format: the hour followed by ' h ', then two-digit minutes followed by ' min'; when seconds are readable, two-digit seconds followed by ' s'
2 h 00 min 05 s
